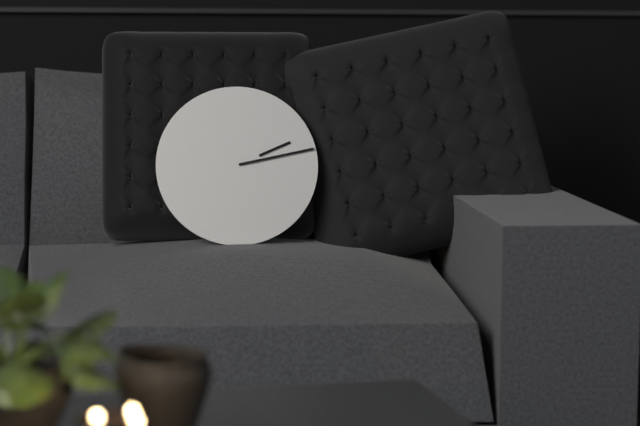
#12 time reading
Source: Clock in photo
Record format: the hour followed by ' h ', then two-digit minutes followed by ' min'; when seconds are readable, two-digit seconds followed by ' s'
2 h 13 min
